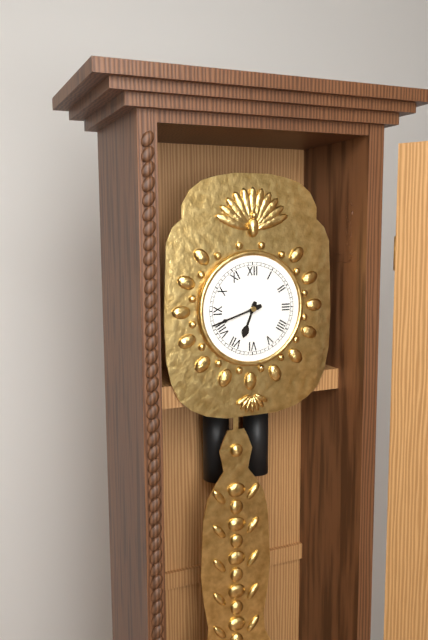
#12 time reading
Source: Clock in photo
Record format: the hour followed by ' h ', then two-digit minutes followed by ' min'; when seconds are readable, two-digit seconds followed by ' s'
6 h 42 min
